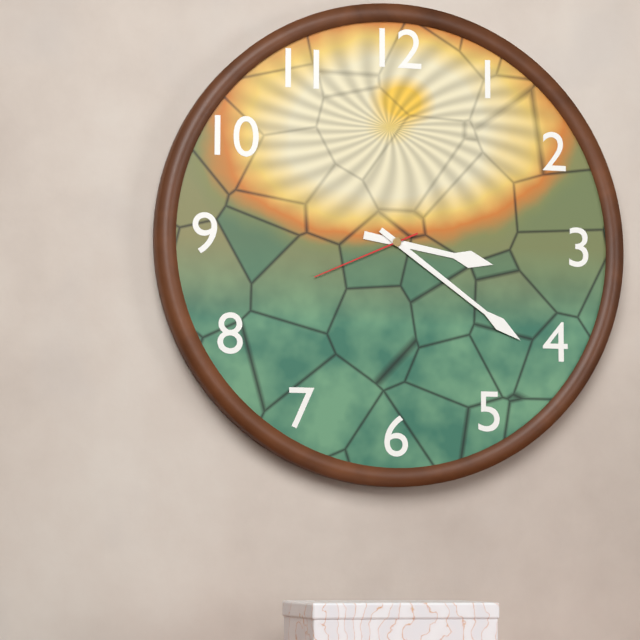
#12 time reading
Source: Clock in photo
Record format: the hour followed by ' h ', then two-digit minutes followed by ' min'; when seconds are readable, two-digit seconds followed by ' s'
3 h 21 min 41 s
